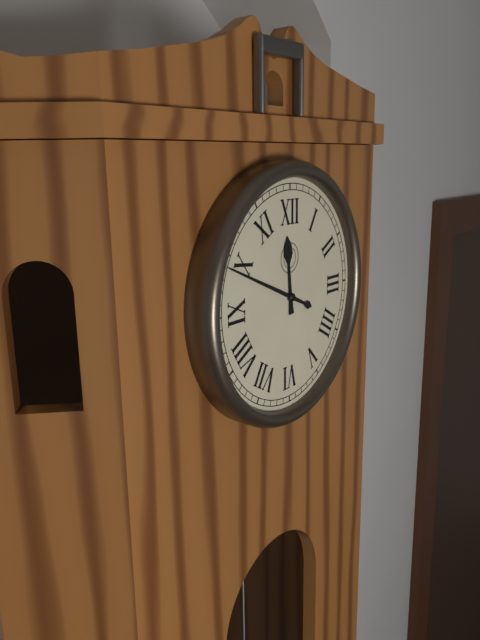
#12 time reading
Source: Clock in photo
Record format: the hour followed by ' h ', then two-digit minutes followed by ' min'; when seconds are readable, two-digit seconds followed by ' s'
11 h 49 min
